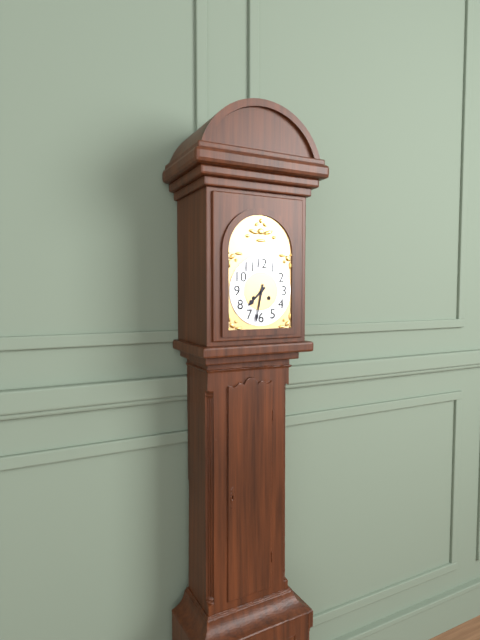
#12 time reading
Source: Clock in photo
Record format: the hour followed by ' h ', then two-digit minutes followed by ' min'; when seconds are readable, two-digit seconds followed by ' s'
7 h 32 min
